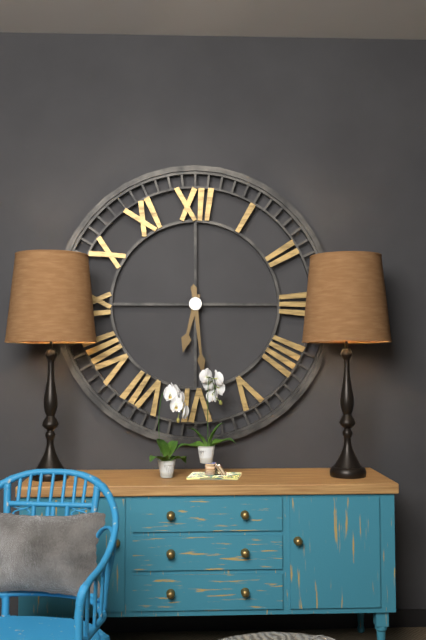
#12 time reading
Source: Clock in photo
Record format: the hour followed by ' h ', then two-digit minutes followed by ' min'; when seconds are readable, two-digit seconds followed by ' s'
6 h 29 min
